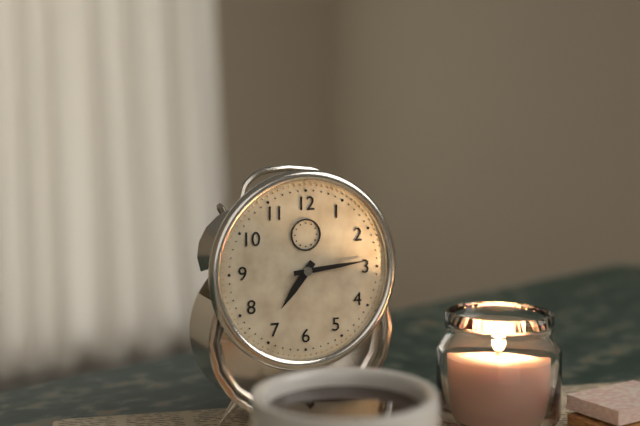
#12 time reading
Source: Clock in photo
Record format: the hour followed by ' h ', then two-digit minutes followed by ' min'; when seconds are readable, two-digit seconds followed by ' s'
7 h 14 min
